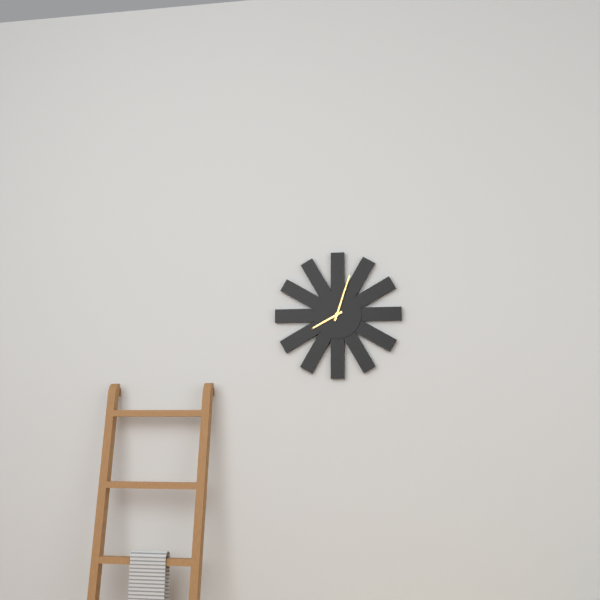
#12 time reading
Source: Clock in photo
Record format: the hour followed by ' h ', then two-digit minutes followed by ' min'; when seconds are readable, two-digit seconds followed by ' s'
8 h 03 min
